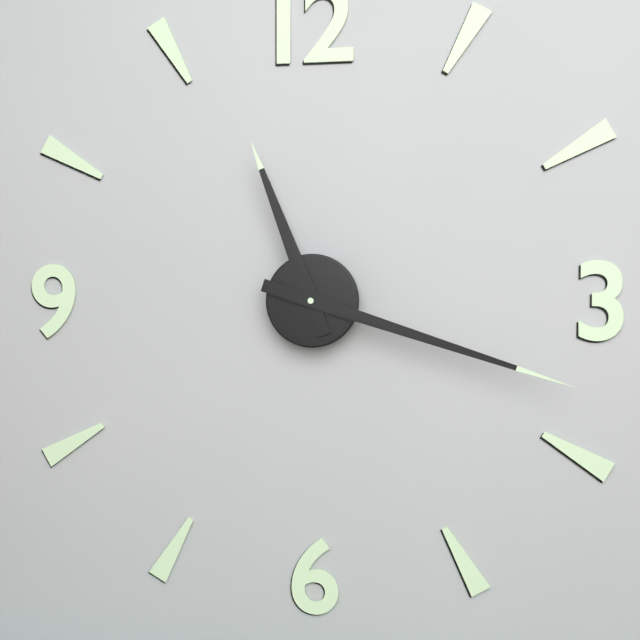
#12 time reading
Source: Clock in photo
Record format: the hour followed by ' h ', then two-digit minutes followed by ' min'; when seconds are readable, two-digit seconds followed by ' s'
11 h 18 min
